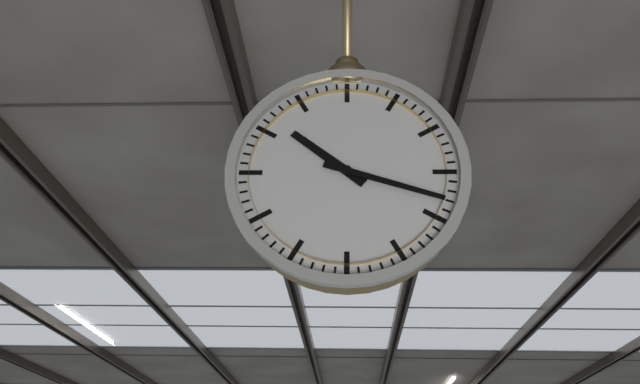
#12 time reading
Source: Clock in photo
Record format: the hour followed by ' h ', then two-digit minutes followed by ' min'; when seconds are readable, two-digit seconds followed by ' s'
10 h 18 min
